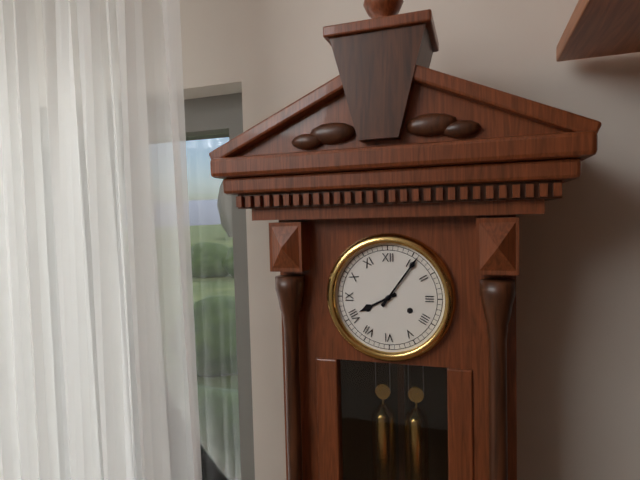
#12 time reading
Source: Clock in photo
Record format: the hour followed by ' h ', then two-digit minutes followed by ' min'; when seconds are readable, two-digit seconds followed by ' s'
8 h 06 min
